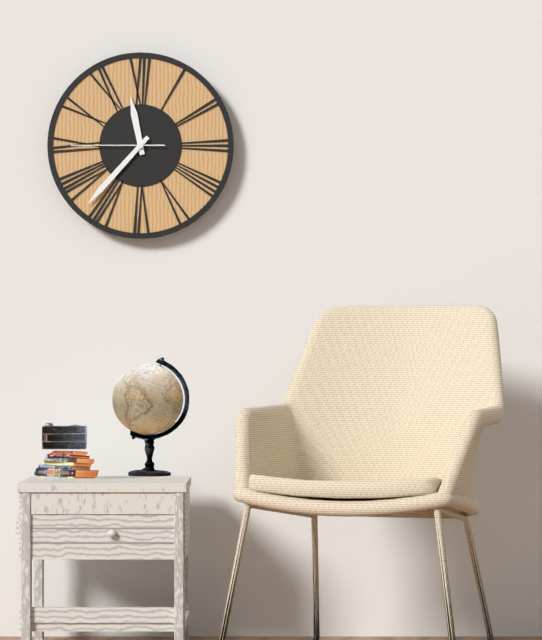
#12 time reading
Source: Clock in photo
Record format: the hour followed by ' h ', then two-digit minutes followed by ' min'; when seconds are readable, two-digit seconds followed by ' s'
11 h 37 min 45 s
